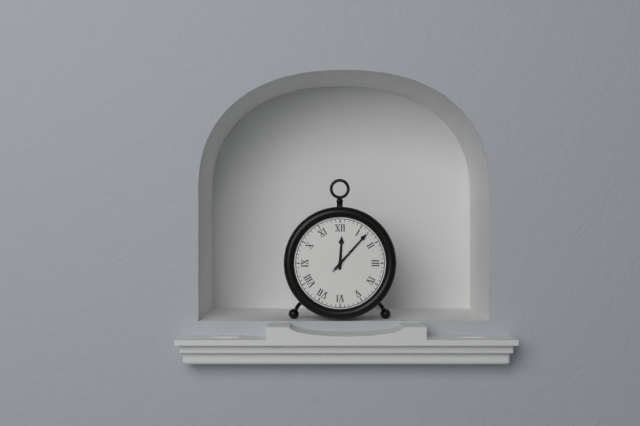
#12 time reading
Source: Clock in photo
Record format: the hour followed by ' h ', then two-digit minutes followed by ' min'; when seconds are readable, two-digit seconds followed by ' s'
12 h 07 min 07 s
